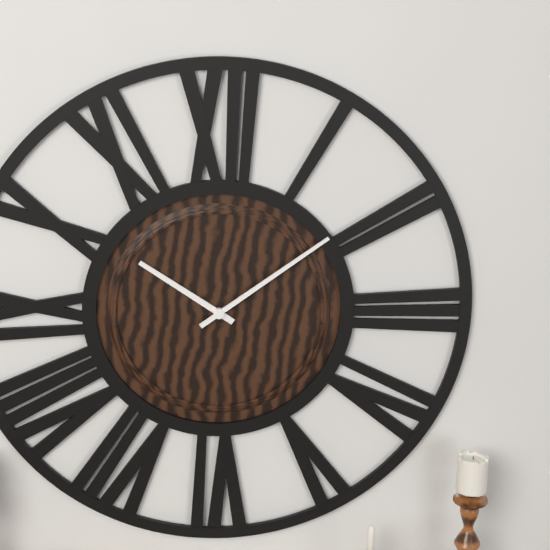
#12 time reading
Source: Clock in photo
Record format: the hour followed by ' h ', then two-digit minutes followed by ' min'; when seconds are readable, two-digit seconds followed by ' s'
10 h 09 min
